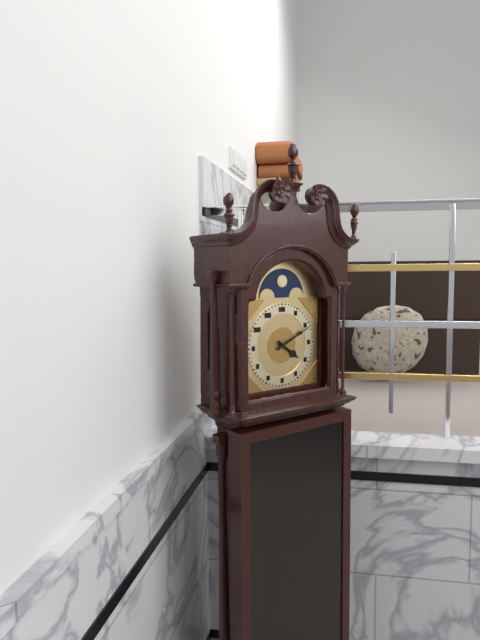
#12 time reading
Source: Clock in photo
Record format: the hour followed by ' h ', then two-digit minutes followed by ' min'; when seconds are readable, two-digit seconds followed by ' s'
4 h 11 min
